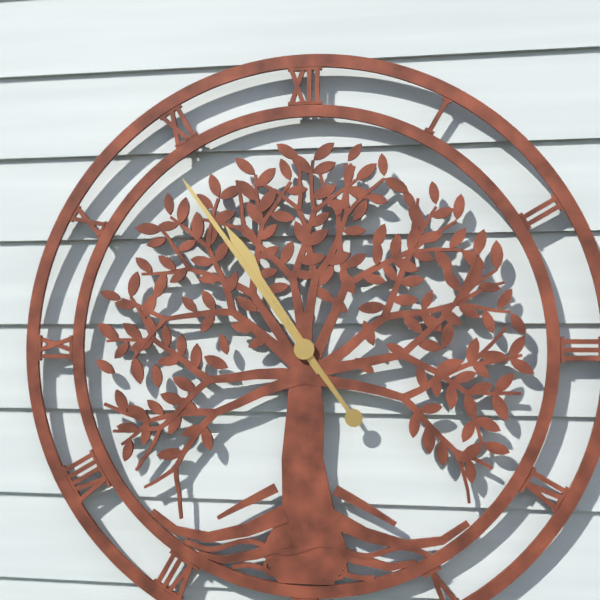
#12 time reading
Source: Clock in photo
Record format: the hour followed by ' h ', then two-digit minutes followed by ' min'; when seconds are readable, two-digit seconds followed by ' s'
10 h 54 min
